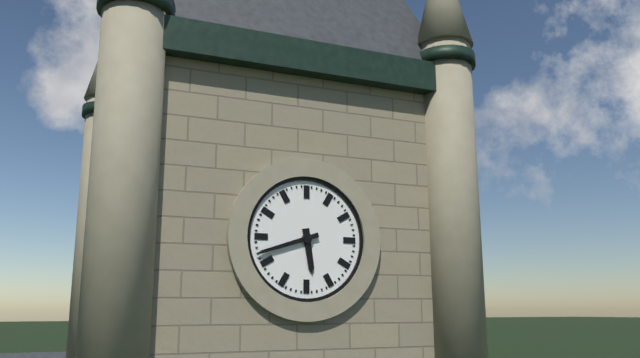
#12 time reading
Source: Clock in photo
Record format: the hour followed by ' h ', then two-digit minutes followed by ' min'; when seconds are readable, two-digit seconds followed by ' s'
5 h 42 min
